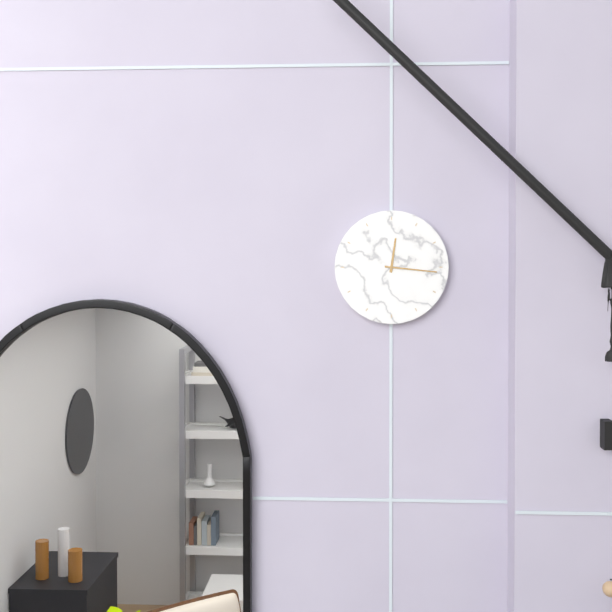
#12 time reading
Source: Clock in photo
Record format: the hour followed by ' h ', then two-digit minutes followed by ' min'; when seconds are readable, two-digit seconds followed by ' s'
12 h 16 min
